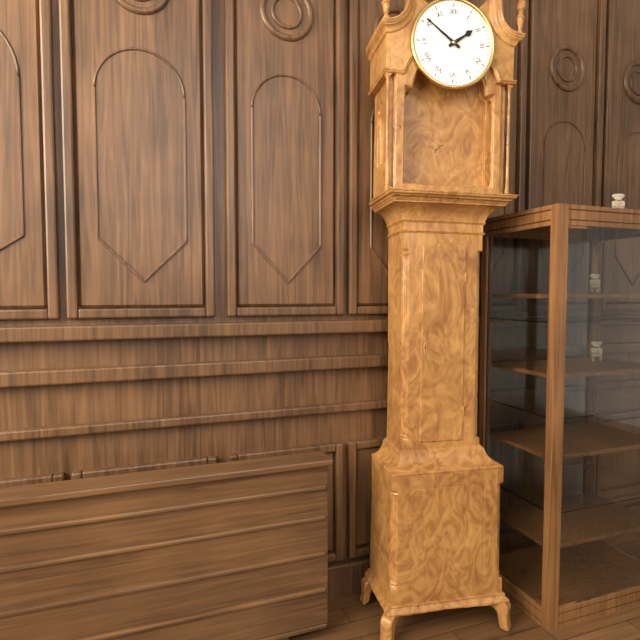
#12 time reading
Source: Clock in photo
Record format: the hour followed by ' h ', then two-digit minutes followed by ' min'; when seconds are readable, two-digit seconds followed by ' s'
1 h 51 min
